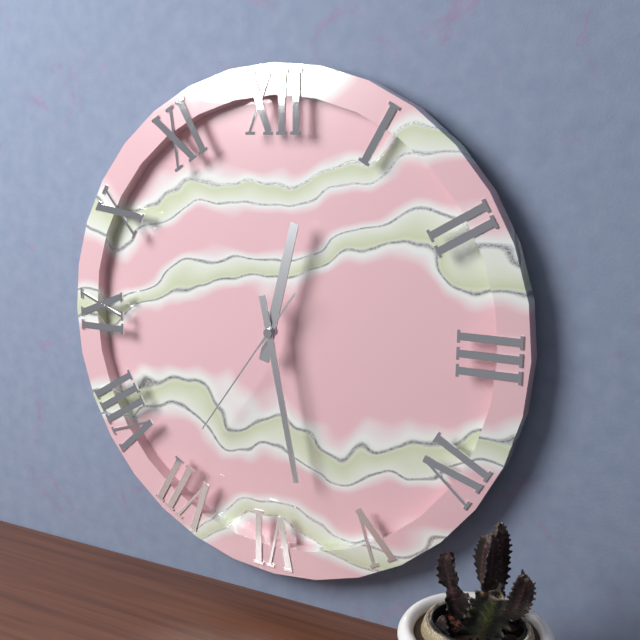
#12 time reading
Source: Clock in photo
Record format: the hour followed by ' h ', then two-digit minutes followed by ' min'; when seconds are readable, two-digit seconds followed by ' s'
12 h 28 min 36 s
